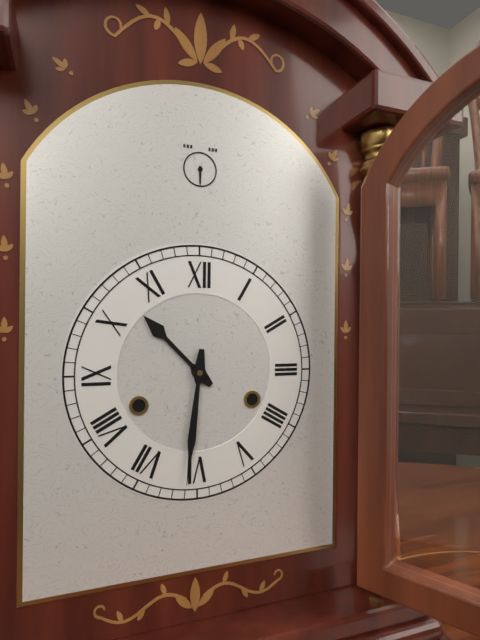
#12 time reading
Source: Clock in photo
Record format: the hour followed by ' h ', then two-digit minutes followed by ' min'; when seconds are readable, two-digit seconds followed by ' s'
10 h 31 min
